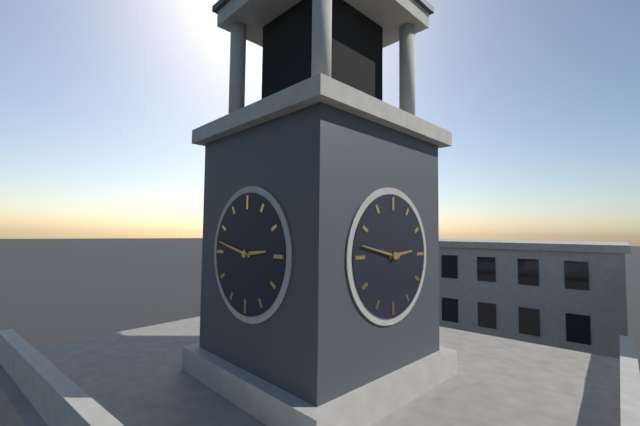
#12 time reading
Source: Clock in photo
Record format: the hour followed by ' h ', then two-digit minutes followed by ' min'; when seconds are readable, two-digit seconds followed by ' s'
2 h 47 min
